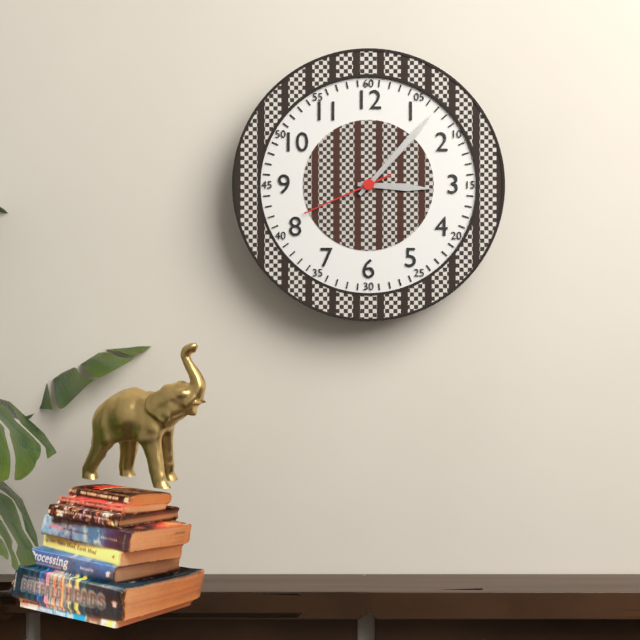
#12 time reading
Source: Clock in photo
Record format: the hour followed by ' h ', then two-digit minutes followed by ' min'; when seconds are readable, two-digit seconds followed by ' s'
3 h 07 min 41 s
